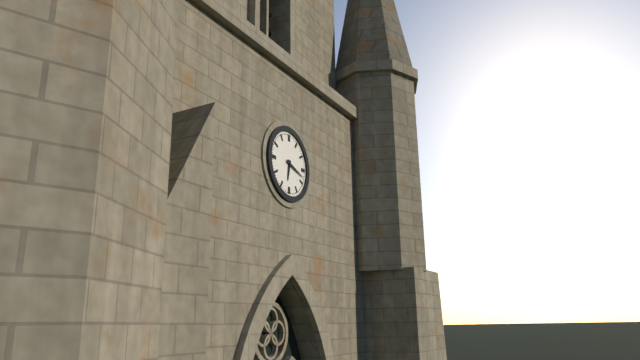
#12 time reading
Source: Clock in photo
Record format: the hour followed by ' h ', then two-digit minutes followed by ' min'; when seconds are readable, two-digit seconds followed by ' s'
6 h 18 min
